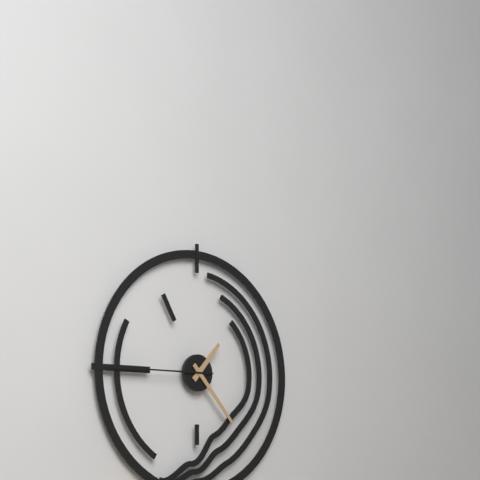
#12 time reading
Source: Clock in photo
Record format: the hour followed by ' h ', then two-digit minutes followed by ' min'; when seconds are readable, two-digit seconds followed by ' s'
1 h 23 min 45 s
